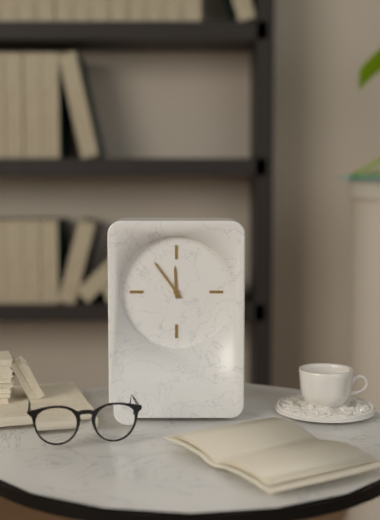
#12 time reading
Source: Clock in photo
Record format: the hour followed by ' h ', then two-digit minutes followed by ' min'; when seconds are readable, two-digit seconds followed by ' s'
11 h 54 min
